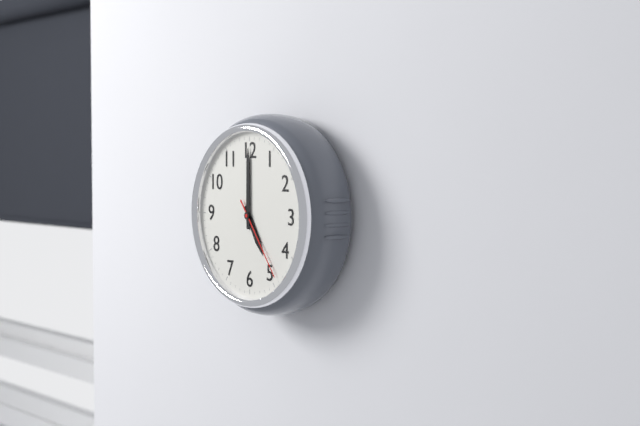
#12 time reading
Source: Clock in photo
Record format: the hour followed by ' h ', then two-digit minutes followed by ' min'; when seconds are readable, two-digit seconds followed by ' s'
5 h 00 min 24 s
